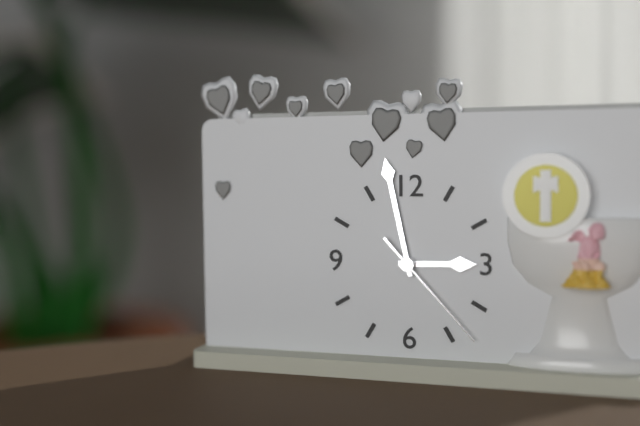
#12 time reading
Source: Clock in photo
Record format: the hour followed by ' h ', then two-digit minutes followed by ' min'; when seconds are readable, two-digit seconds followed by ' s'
2 h 58 min 23 s
